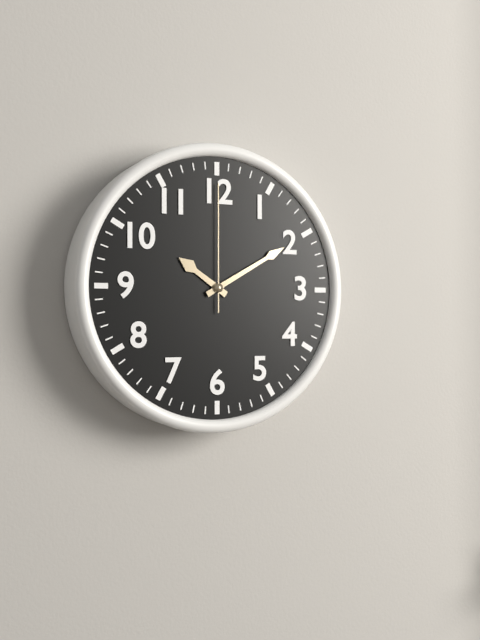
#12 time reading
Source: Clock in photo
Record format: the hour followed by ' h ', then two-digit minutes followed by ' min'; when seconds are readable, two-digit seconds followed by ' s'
10 h 10 min 00 s
